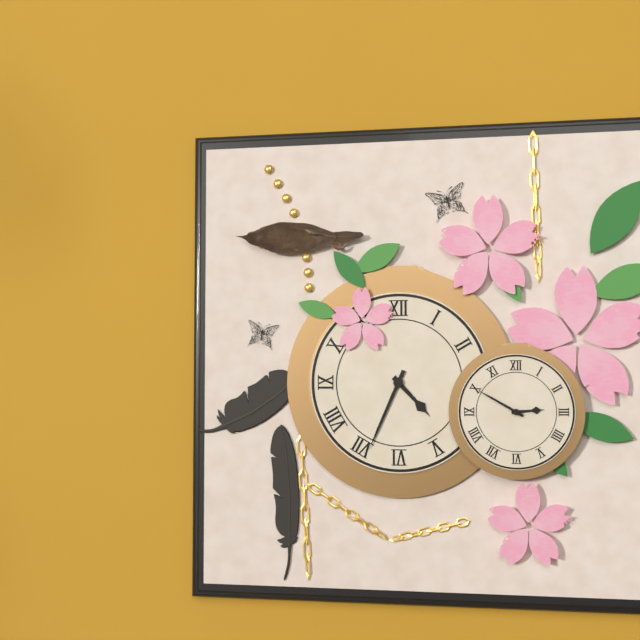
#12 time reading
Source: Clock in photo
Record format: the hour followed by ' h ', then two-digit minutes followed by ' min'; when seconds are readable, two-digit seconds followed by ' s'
4 h 34 min
